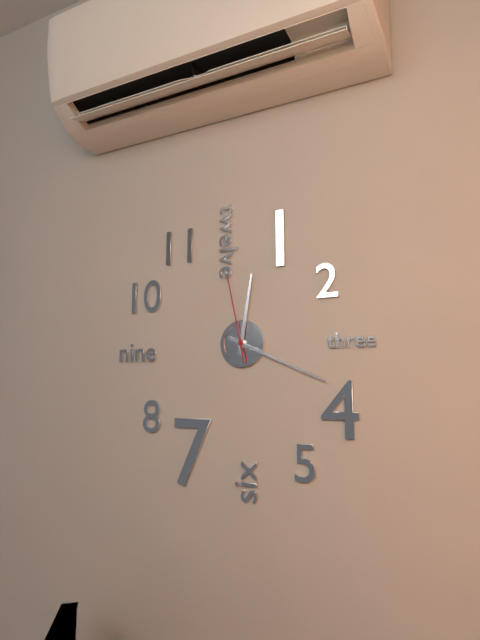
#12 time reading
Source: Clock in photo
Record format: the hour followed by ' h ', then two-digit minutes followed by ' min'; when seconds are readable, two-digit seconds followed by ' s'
12 h 19 min 58 s
